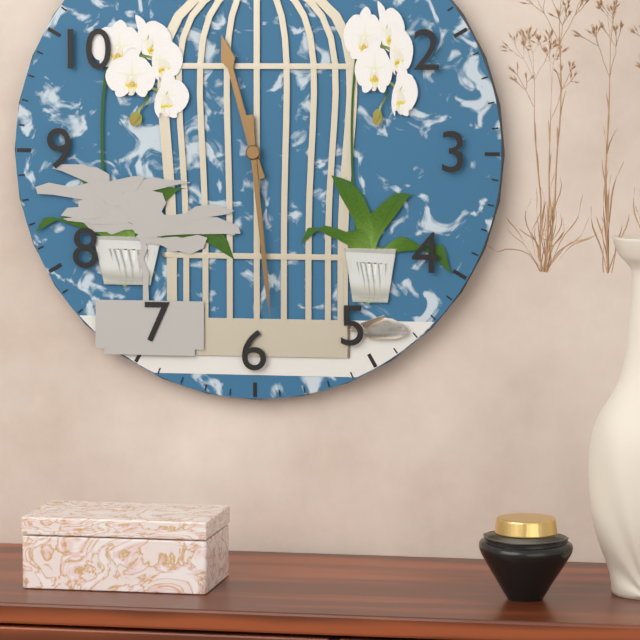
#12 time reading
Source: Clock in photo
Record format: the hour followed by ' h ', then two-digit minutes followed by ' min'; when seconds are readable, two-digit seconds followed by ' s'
11 h 29 min
